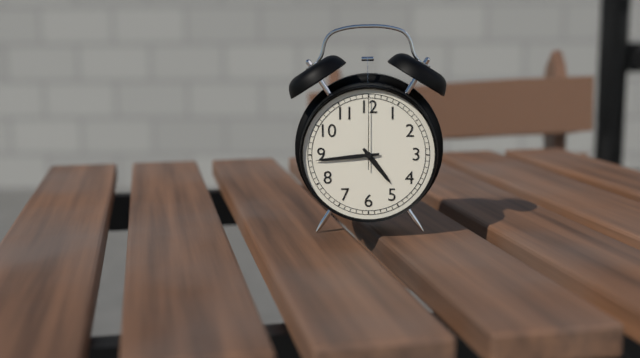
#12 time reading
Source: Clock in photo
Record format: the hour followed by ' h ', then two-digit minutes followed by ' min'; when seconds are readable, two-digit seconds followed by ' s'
4 h 44 min 00 s
